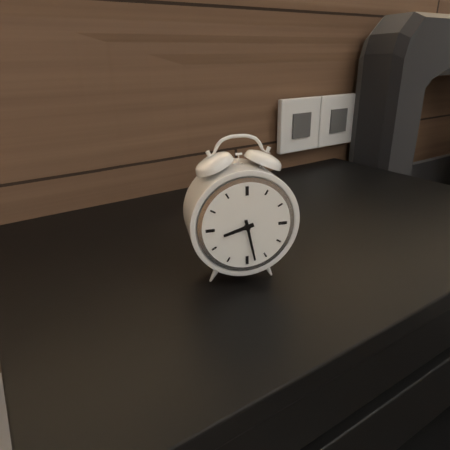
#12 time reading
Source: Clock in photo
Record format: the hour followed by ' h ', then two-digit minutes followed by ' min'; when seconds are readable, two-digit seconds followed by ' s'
8 h 28 min
